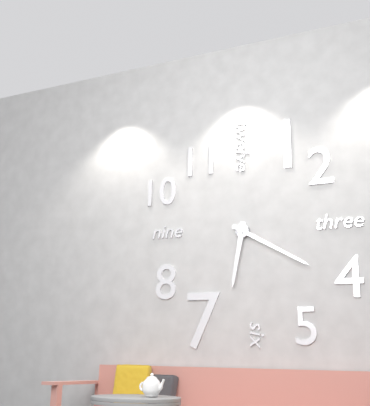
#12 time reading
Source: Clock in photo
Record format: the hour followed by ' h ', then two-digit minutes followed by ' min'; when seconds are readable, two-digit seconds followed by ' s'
6 h 20 min
